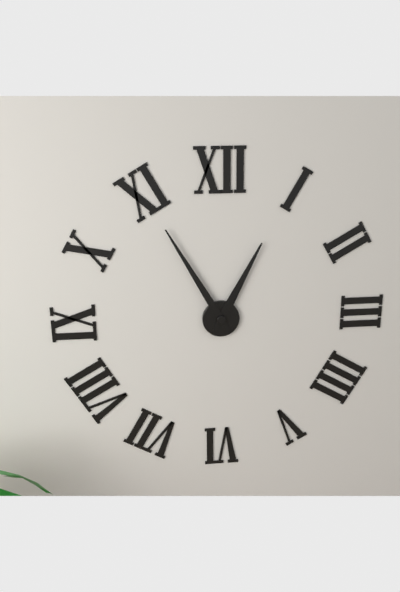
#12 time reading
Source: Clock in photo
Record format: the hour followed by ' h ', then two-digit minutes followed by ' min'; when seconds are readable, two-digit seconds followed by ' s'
12 h 55 min
